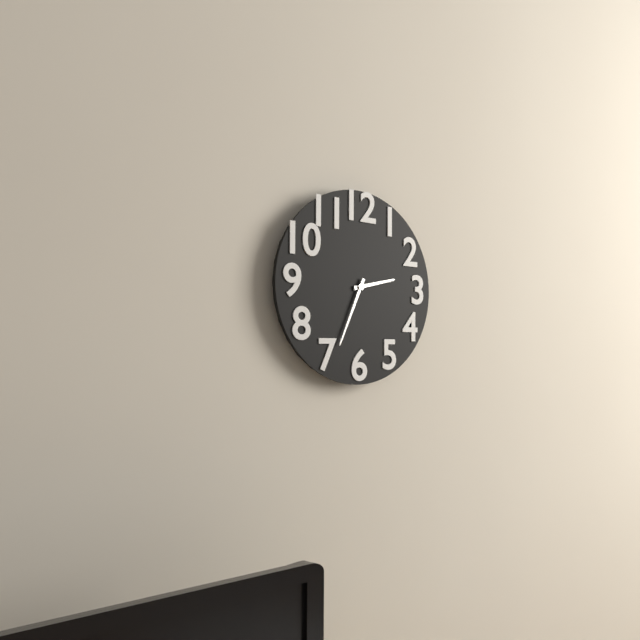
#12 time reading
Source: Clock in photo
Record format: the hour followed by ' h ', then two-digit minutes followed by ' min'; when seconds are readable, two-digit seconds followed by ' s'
2 h 34 min
